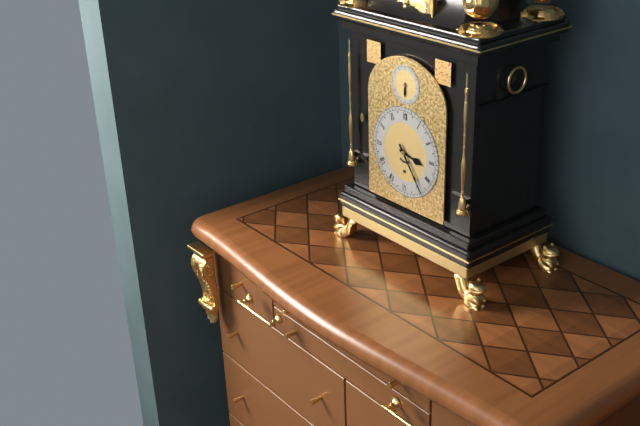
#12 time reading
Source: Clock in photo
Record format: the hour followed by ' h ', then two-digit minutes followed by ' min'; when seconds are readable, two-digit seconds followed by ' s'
3 h 24 min
